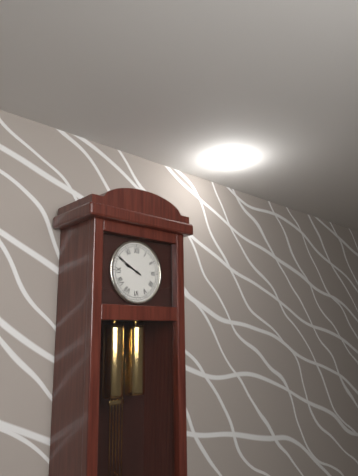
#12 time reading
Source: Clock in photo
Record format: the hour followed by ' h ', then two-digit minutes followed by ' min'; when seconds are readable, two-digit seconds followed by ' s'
9 h 50 min
